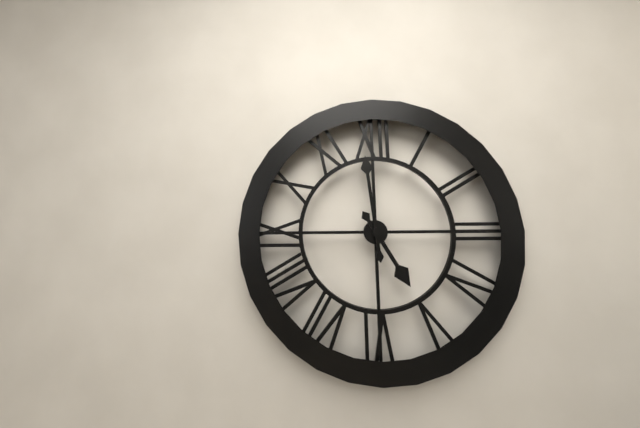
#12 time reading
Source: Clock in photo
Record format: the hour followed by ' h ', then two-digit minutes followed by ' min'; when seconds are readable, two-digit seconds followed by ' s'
4 h 59 min
